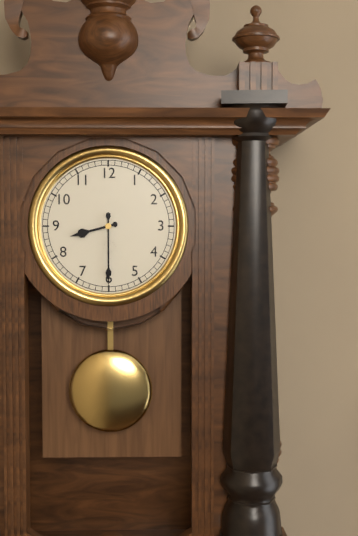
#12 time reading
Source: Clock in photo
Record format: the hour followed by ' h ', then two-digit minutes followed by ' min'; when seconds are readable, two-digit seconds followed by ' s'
8 h 30 min
